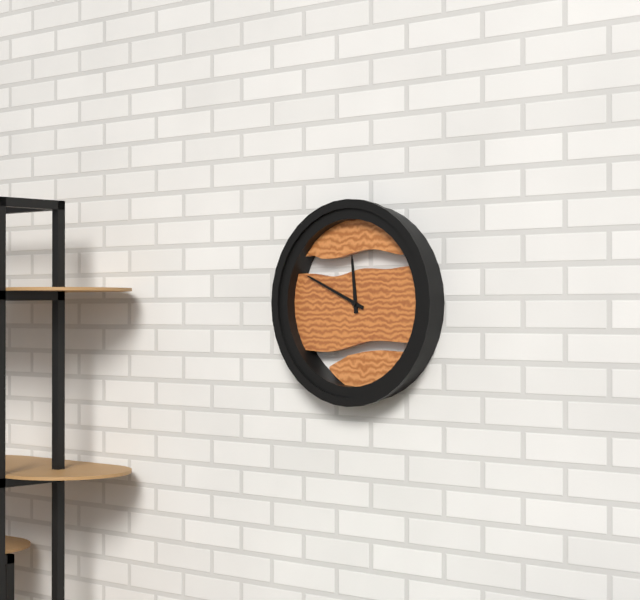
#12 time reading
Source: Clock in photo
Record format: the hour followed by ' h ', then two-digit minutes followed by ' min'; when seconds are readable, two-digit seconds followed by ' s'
11 h 49 min
